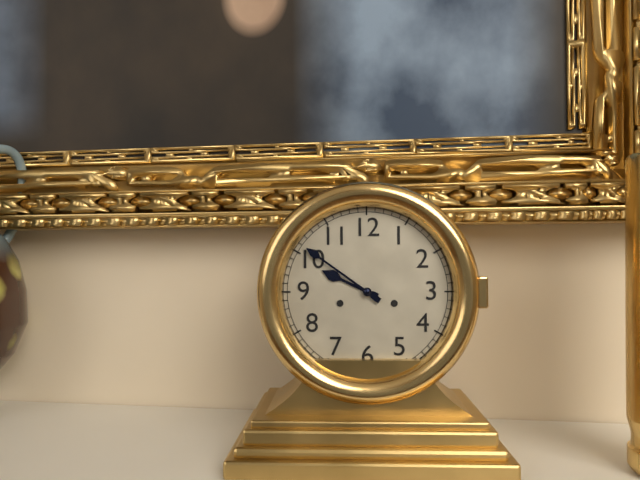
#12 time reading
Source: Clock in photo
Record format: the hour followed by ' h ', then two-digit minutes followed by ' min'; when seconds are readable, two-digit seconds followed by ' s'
9 h 51 min
